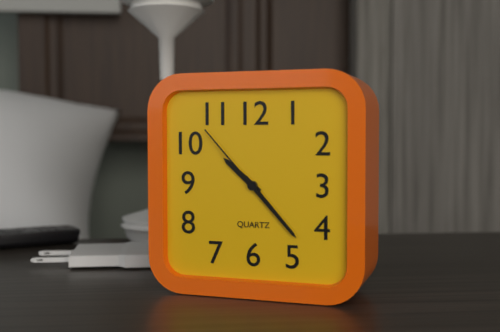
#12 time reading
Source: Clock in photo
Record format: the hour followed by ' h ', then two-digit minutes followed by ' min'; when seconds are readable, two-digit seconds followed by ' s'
10 h 23 min 53 s
